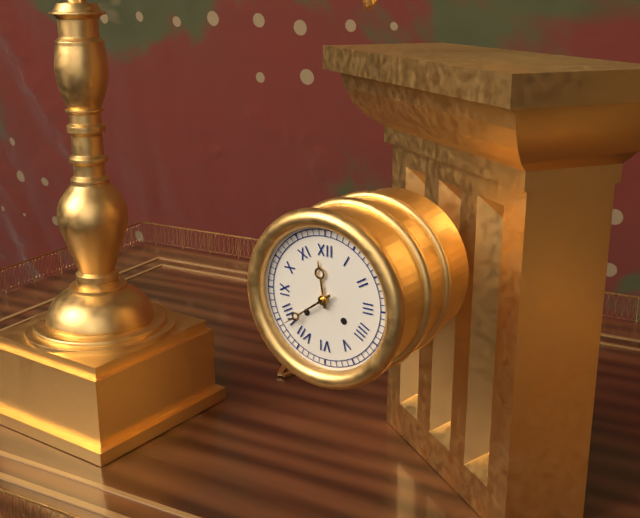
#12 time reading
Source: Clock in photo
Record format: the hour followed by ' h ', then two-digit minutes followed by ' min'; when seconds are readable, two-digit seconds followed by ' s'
11 h 39 min
